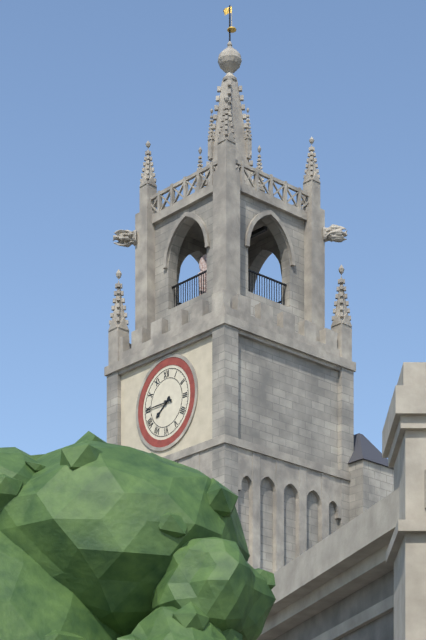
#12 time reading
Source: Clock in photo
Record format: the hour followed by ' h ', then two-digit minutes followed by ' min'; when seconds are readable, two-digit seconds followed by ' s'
7 h 45 min
